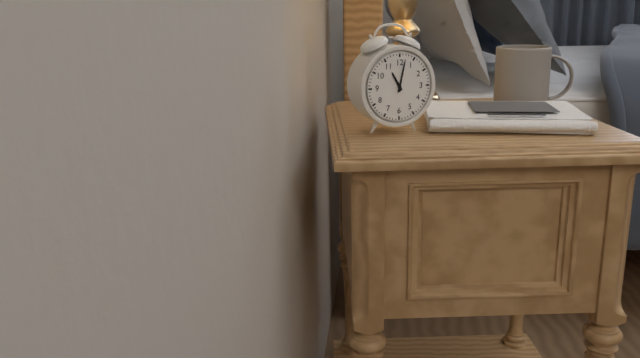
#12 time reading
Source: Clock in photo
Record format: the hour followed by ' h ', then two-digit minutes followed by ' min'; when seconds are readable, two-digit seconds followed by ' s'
11 h 02 min
